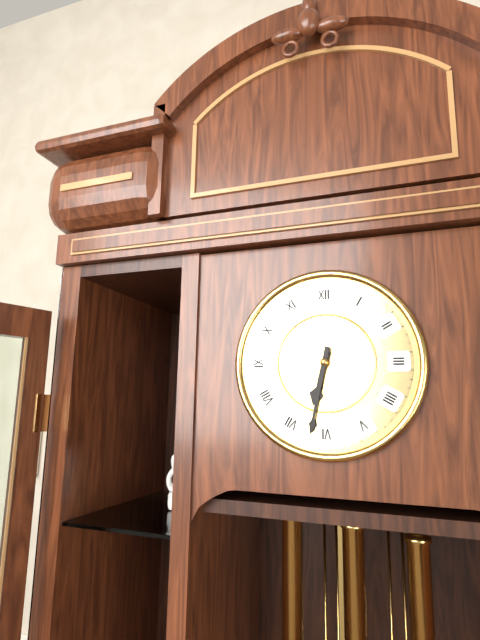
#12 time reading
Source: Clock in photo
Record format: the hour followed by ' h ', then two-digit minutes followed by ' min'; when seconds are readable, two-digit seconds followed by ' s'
6 h 32 min
